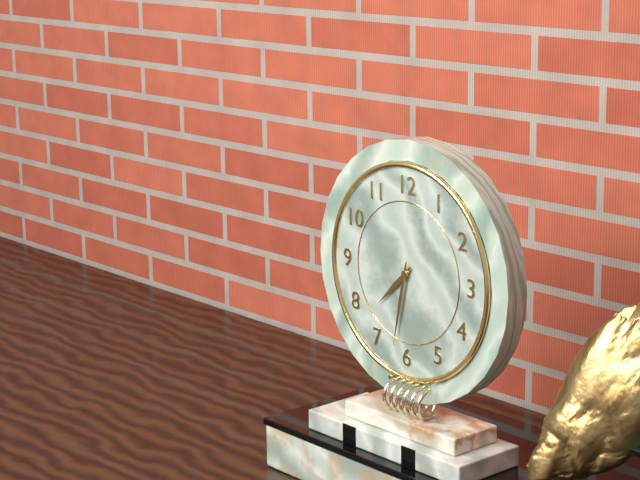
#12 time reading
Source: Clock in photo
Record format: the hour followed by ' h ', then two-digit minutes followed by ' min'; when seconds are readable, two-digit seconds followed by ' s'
7 h 32 min
